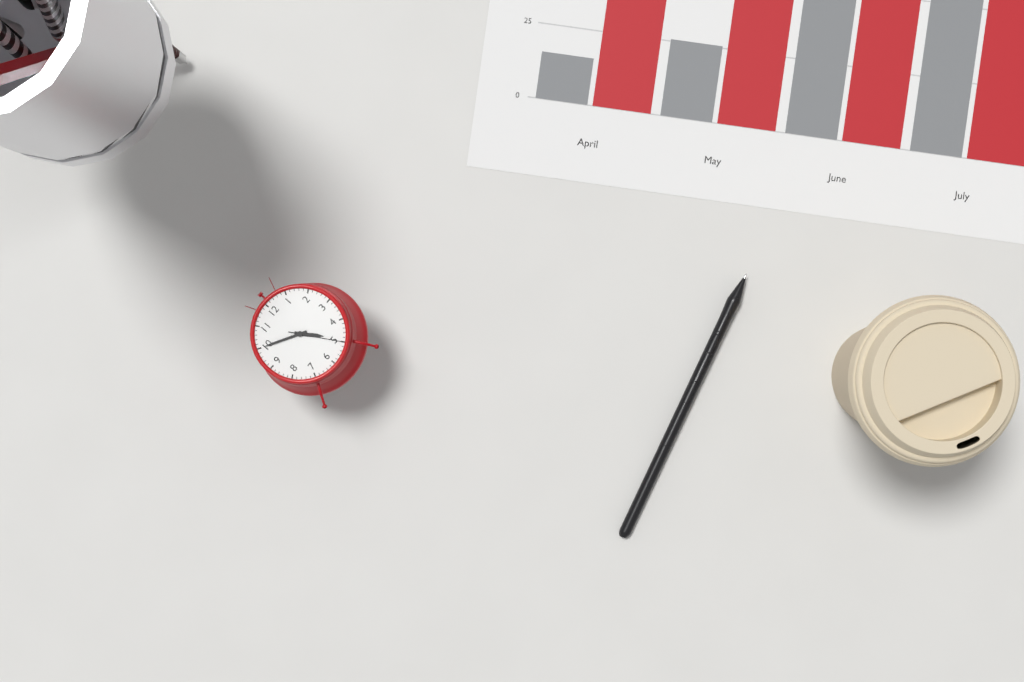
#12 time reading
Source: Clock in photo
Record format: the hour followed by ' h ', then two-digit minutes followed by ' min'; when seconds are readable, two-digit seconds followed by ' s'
4 h 50 min 25 s
